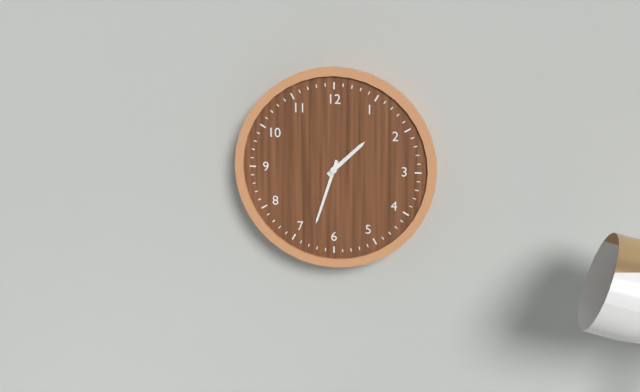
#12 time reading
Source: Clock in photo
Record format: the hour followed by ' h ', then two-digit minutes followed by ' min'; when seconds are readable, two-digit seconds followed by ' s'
1 h 33 min
